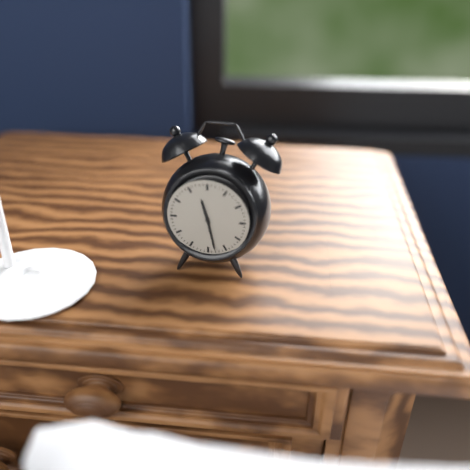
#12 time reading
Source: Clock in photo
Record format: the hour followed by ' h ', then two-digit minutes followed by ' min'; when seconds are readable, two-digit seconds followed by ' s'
11 h 28 min
